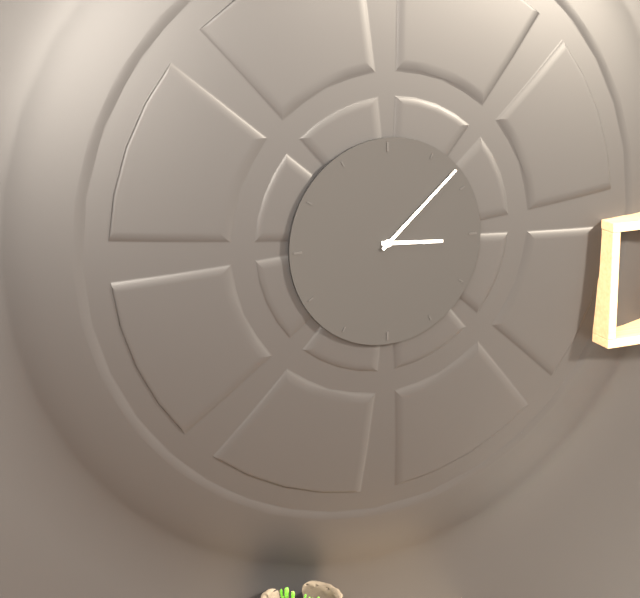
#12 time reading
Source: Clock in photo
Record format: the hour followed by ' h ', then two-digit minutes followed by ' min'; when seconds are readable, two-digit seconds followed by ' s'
3 h 08 min
